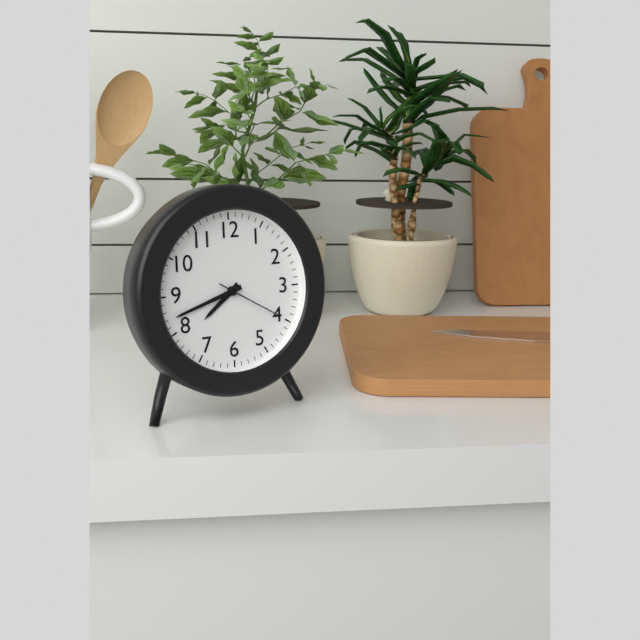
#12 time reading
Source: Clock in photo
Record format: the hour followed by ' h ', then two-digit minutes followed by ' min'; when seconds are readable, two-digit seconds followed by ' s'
7 h 42 min 20 s
